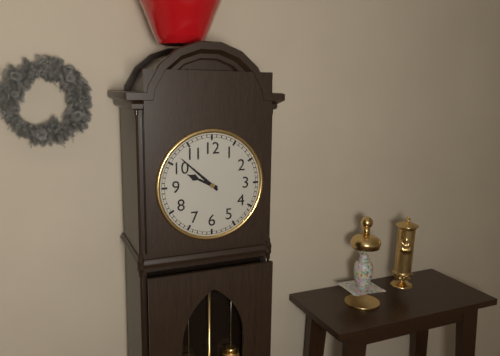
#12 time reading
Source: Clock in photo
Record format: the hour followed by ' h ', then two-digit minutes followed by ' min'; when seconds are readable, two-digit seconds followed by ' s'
9 h 52 min
